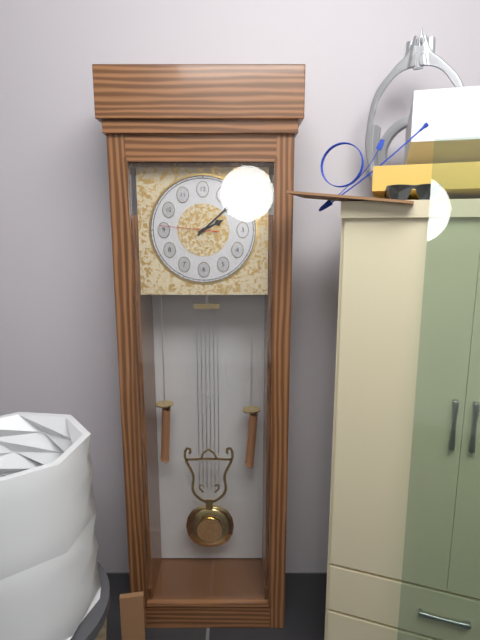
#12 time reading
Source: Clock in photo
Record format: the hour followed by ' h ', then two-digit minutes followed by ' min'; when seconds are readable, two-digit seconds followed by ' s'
2 h 08 min 46 s
